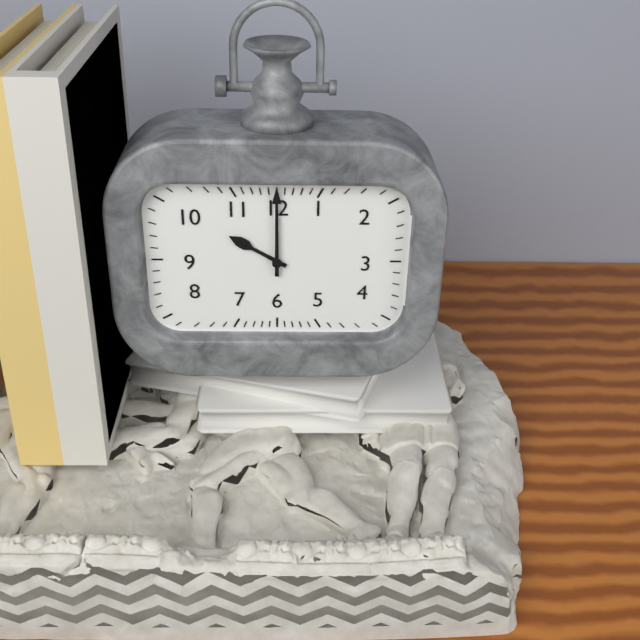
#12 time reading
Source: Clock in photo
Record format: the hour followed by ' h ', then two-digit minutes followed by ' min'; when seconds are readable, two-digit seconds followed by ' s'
10 h 00 min
